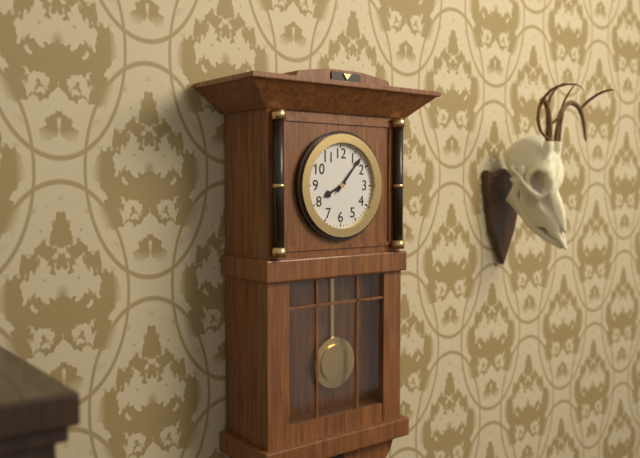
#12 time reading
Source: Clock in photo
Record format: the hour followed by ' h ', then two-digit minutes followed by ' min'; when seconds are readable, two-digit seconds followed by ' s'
8 h 07 min
